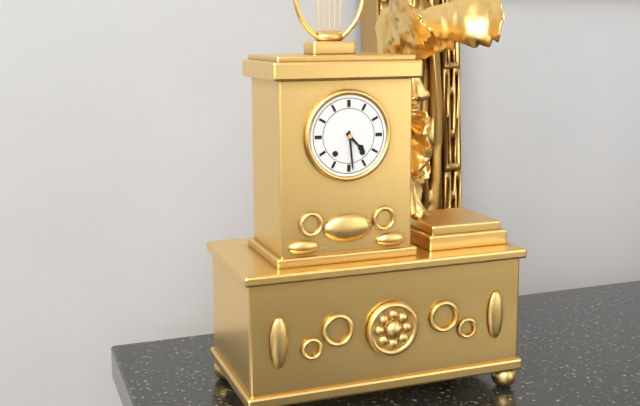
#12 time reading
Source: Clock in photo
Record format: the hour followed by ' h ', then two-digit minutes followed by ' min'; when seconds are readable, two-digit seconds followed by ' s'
4 h 29 min
